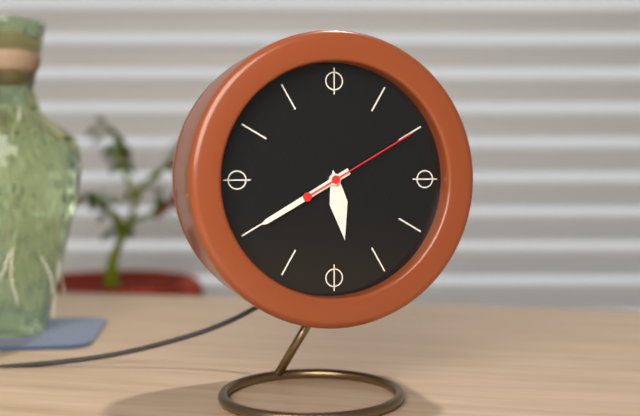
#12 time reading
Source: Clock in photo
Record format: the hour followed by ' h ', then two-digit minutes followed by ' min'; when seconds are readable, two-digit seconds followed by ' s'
5 h 40 min 10 s
